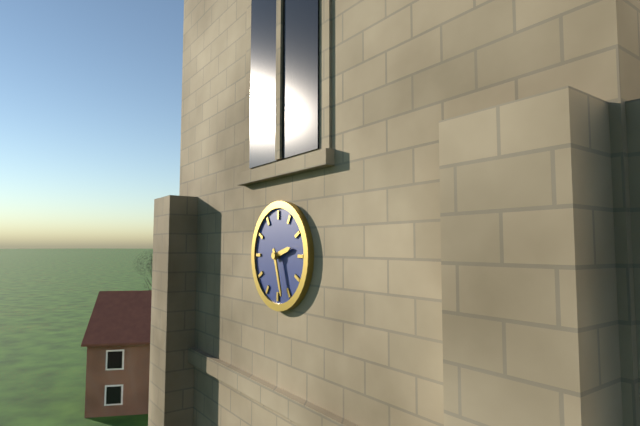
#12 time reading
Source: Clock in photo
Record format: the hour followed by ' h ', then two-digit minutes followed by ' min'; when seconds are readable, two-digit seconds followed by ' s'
2 h 27 min
